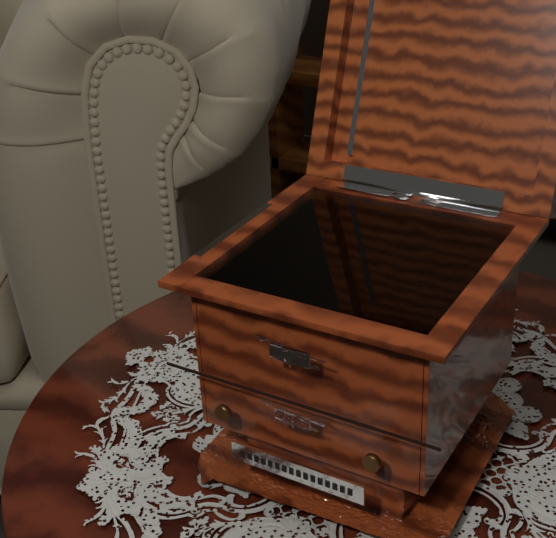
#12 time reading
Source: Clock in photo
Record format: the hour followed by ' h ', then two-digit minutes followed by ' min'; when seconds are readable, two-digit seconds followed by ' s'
12 h 40 min
